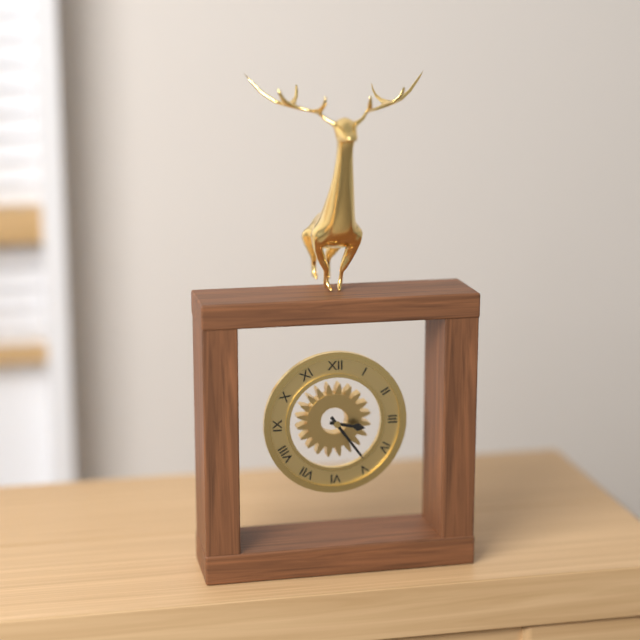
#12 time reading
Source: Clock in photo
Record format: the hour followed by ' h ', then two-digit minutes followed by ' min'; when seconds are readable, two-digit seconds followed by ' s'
3 h 24 min
